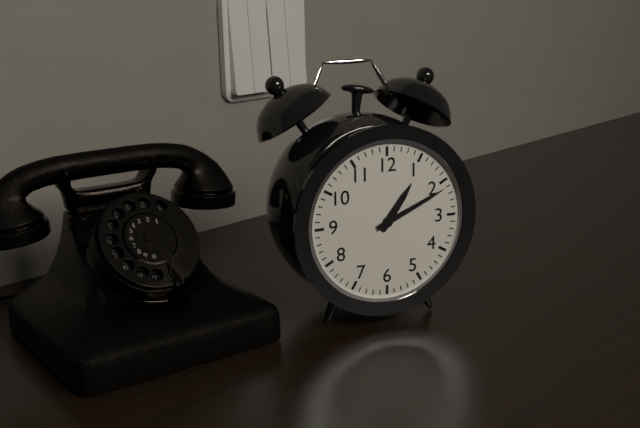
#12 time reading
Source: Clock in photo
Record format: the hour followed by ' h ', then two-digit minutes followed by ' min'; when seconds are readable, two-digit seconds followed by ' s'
1 h 11 min
